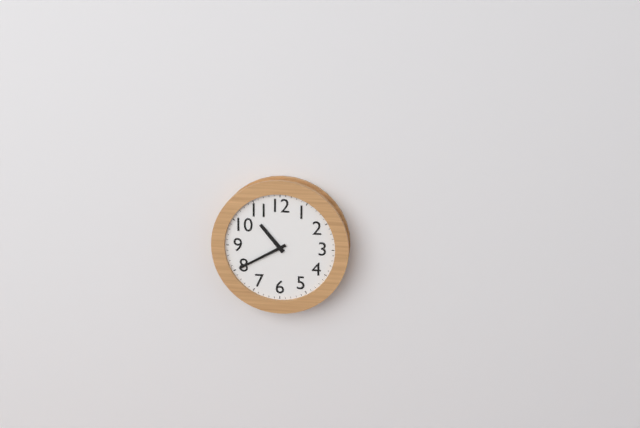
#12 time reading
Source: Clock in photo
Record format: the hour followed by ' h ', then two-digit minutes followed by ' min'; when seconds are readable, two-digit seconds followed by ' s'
10 h 40 min
